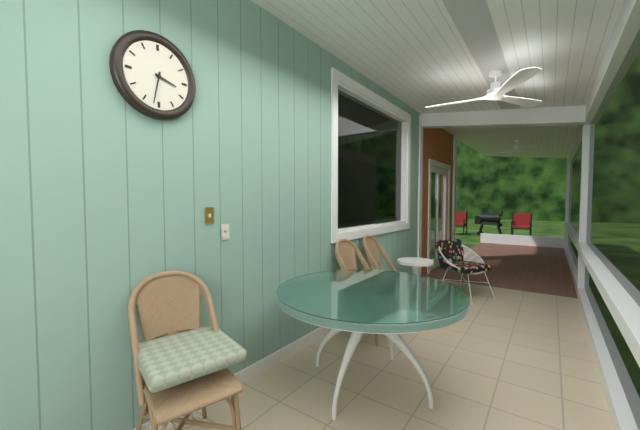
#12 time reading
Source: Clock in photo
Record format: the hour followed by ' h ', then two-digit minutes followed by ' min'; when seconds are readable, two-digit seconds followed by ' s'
3 h 32 min
